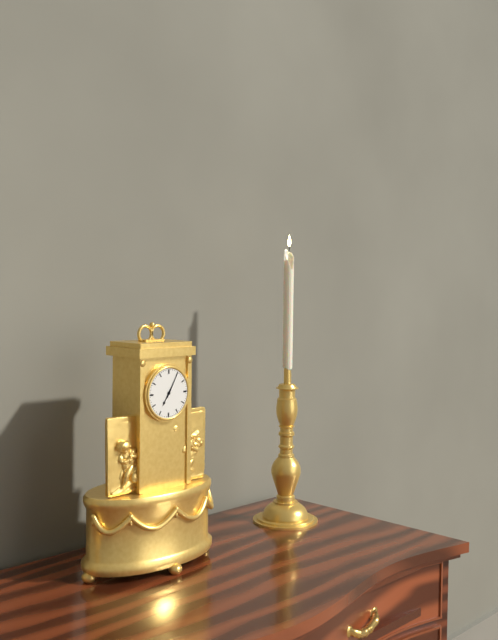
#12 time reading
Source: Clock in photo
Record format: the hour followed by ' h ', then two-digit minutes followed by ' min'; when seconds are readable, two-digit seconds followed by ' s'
7 h 05 min
